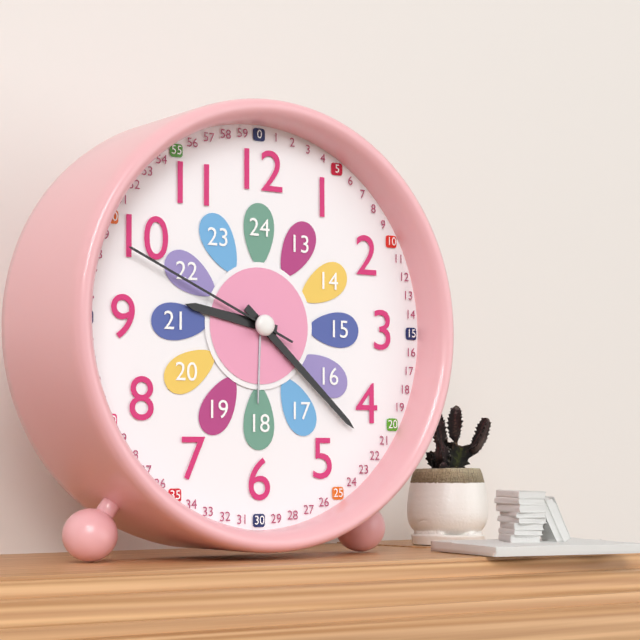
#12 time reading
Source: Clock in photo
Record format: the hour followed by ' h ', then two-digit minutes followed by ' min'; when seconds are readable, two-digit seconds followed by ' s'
9 h 22 min 49 s
